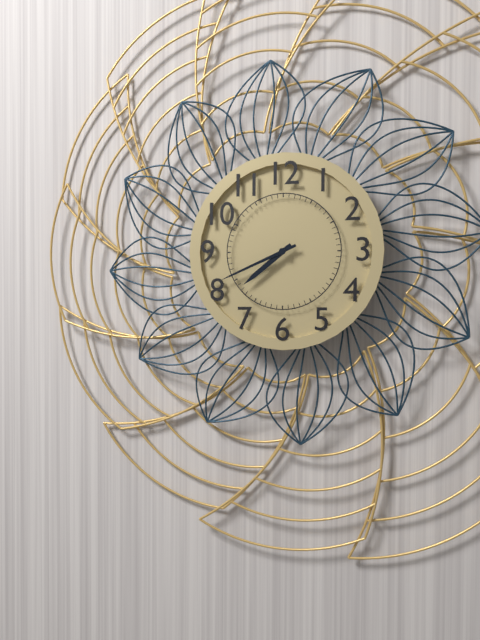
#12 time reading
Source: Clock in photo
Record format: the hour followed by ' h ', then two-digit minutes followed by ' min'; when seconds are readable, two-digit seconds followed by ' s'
7 h 41 min
